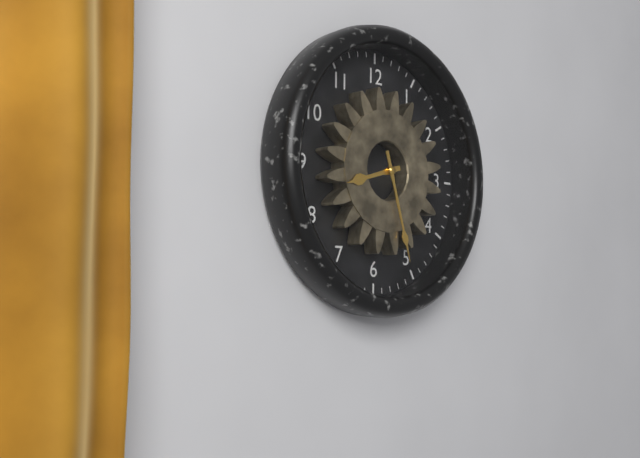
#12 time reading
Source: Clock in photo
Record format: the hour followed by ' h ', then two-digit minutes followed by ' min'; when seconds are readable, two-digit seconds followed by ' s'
8 h 27 min
